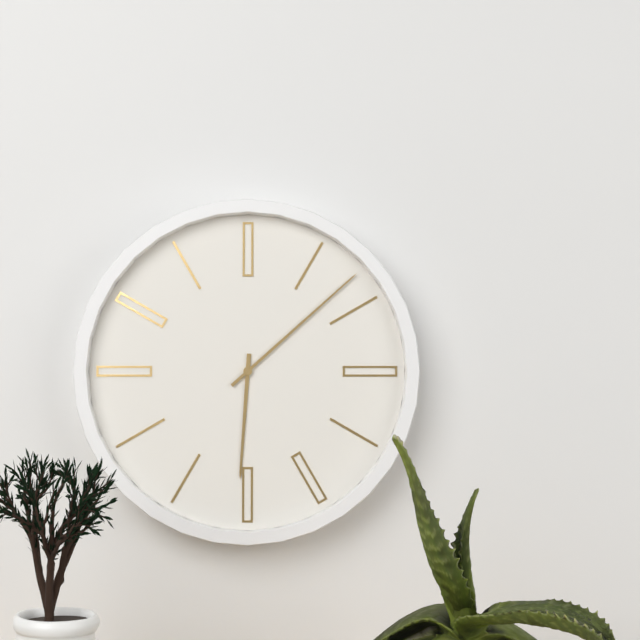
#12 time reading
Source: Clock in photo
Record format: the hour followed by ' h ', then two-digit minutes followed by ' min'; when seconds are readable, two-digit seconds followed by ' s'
6 h 08 min
